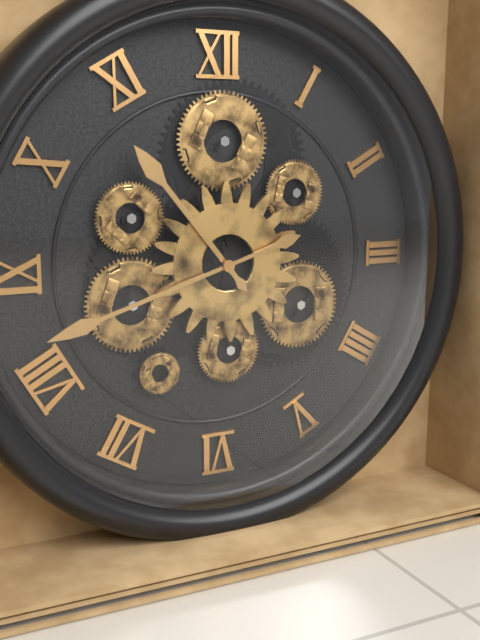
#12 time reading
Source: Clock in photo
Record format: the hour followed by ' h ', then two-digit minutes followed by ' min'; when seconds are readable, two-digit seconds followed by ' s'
10 h 42 min
